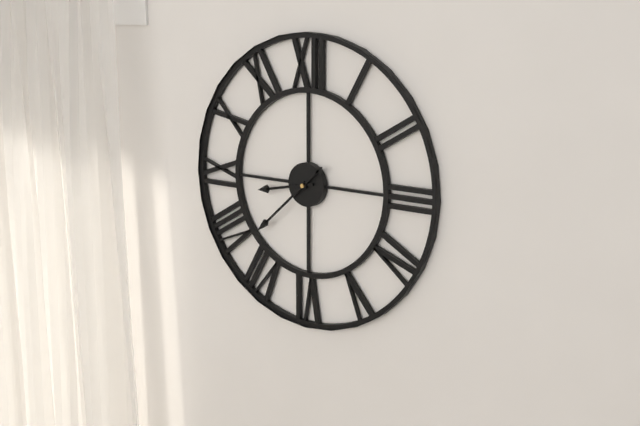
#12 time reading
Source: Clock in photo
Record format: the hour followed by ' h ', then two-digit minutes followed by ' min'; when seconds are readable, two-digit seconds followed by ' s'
8 h 38 min
